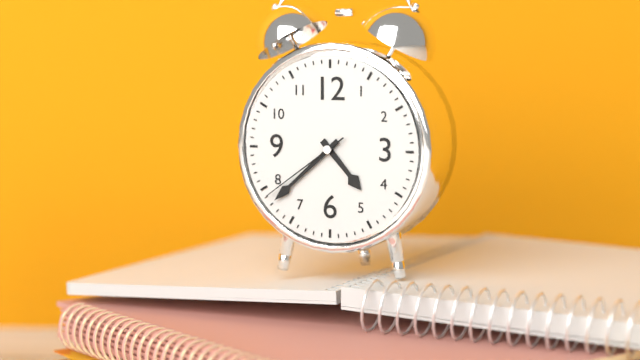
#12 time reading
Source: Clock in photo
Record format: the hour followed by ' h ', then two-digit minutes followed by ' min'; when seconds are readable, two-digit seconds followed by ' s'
4 h 38 min 39 s
